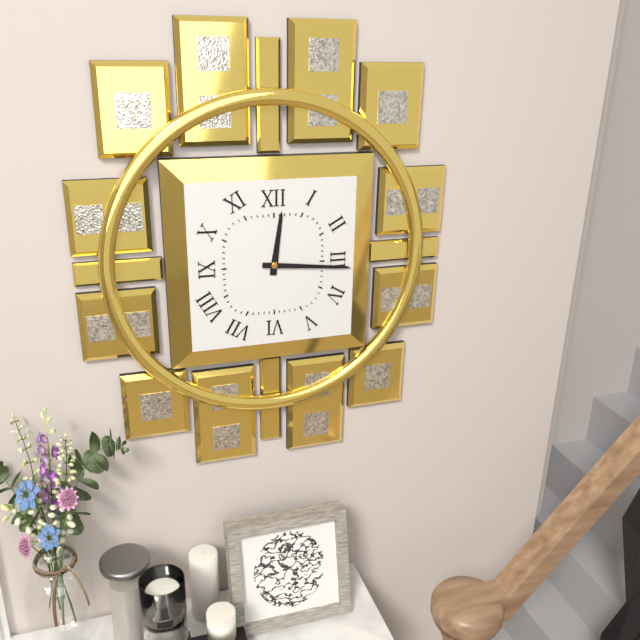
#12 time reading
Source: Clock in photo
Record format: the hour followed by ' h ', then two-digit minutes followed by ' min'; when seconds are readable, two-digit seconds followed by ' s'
12 h 16 min
